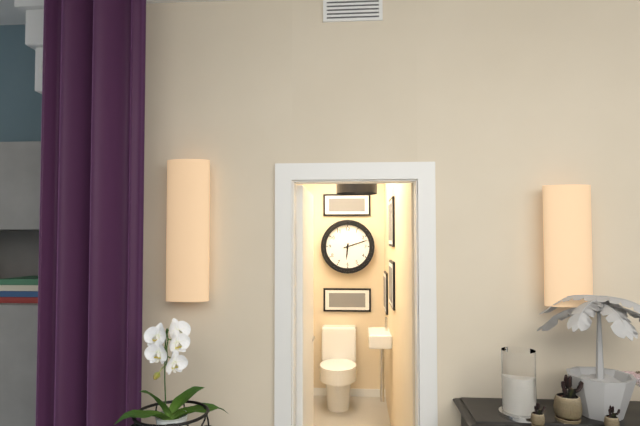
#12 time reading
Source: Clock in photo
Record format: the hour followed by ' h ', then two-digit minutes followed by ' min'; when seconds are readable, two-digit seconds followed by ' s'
6 h 12 min
